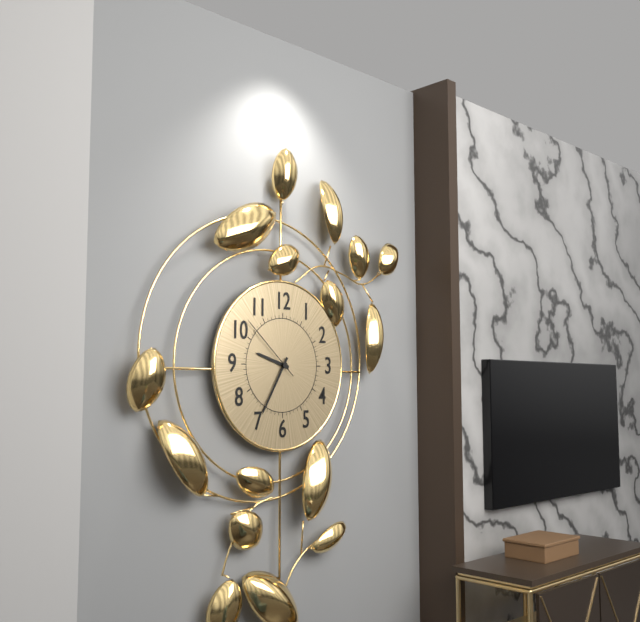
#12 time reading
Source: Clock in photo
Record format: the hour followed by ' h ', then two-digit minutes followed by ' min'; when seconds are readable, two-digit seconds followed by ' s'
9 h 35 min 52 s
